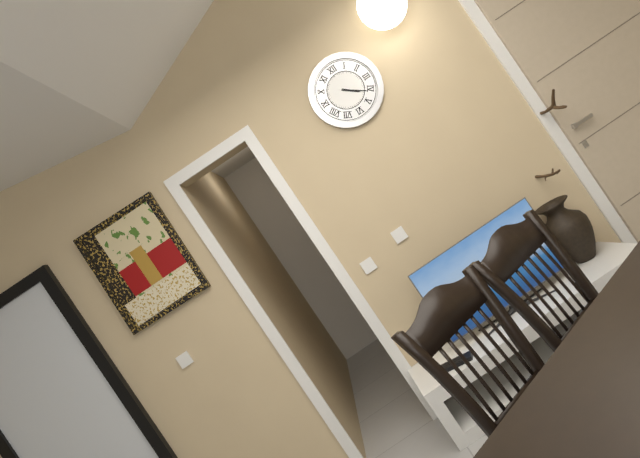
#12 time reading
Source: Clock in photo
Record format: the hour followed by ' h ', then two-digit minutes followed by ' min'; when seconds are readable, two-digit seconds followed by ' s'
4 h 21 min
